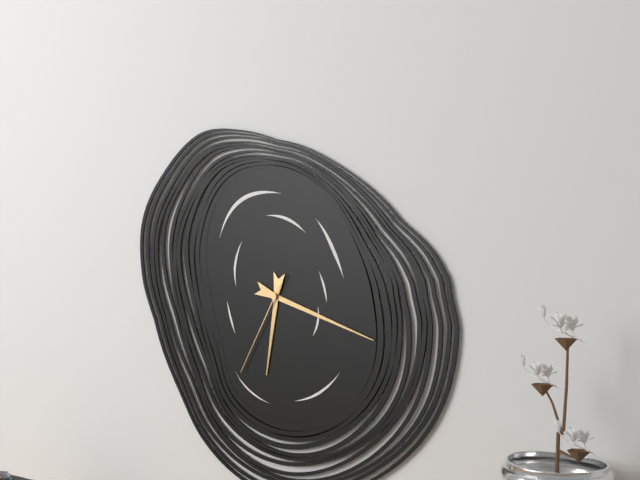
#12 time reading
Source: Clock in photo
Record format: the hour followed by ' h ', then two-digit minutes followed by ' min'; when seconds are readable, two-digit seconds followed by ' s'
6 h 18 min 35 s
